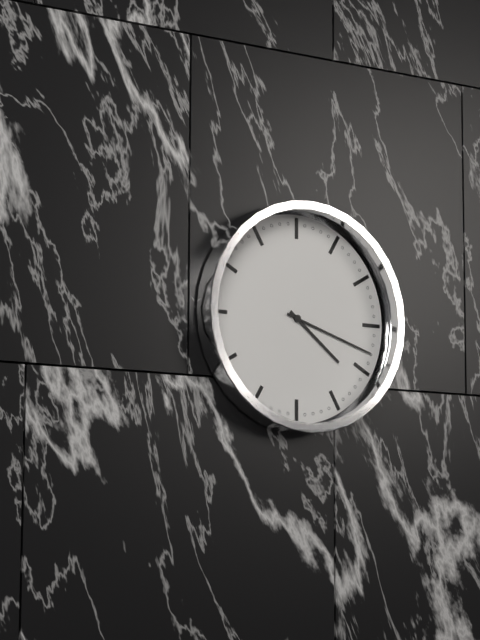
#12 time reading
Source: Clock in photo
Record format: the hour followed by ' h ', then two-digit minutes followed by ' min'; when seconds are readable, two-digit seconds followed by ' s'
4 h 18 min
